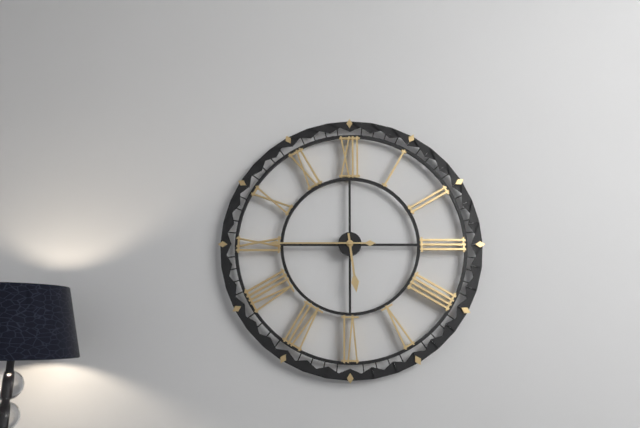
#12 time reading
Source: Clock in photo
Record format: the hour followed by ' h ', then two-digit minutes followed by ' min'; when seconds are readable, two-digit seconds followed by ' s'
5 h 45 min
